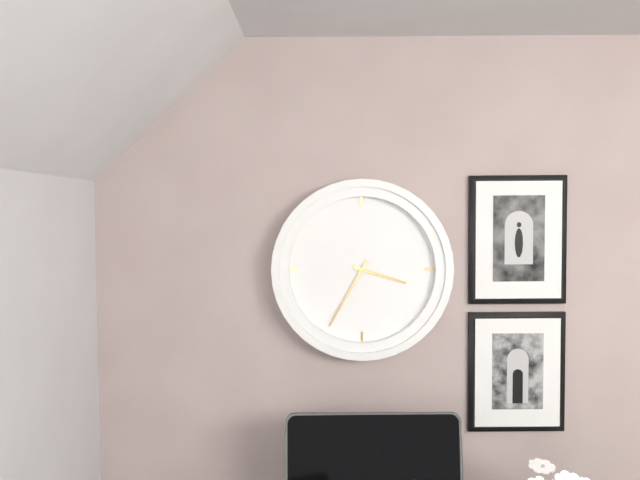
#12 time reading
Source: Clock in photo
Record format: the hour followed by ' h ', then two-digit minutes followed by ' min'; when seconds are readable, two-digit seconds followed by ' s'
3 h 35 min
